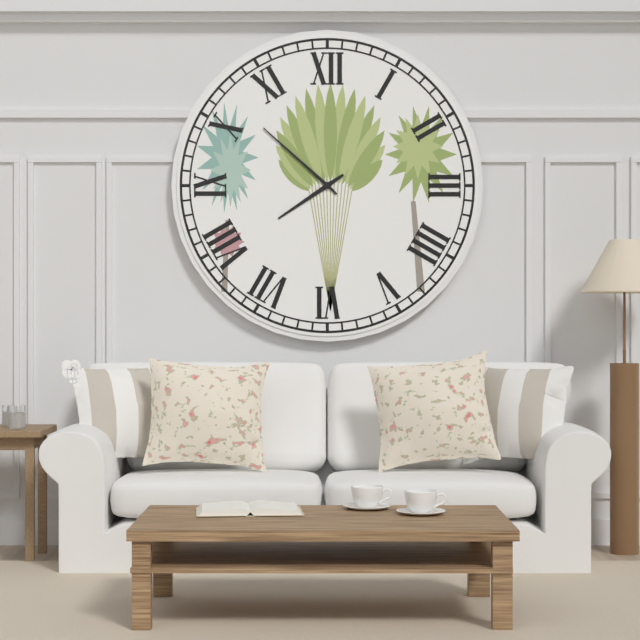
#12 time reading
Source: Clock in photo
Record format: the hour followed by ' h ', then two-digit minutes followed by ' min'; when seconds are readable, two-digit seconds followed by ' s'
7 h 52 min
